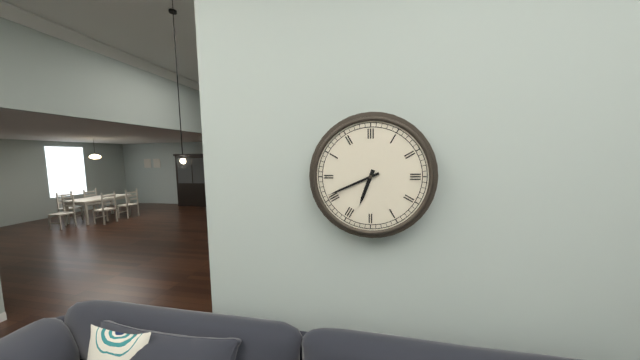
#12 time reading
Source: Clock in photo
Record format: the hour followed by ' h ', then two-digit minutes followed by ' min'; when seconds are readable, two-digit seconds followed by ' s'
6 h 41 min
